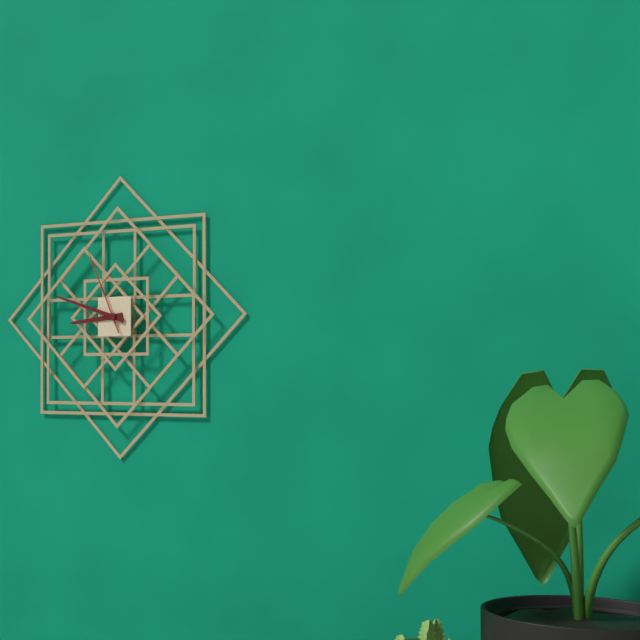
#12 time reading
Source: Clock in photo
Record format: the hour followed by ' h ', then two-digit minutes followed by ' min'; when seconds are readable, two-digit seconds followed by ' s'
8 h 48 min 56 s
